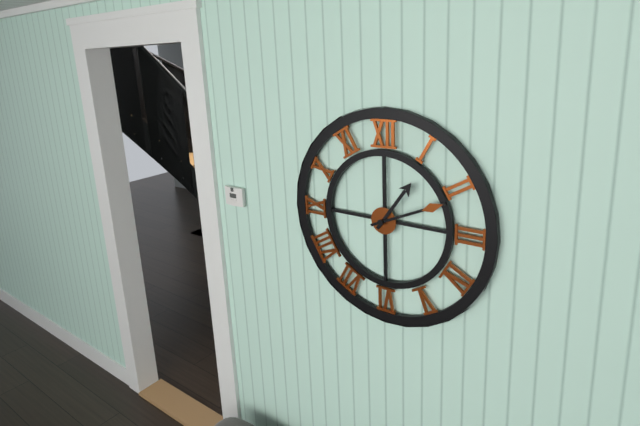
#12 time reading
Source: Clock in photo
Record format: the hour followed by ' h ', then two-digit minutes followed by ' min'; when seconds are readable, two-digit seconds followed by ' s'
1 h 11 min
